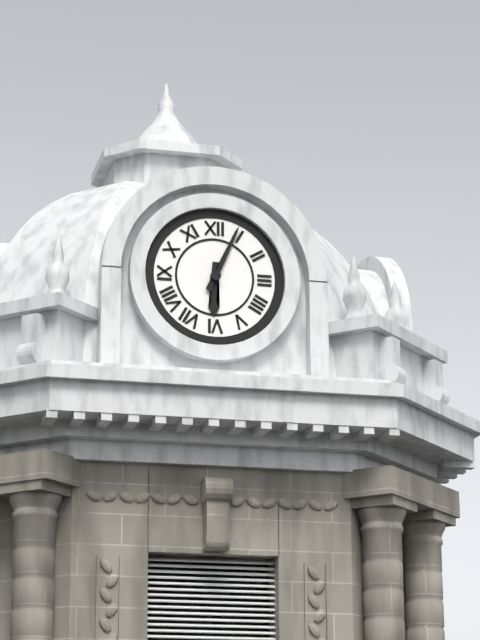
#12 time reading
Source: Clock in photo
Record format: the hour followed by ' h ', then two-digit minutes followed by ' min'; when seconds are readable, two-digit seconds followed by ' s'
6 h 04 min
